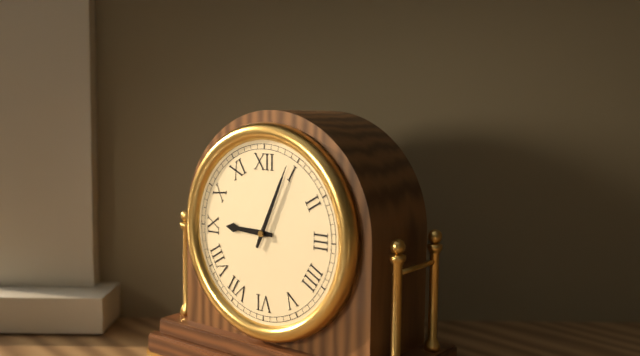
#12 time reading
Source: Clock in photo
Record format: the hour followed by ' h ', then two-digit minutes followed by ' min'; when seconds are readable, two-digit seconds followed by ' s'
9 h 04 min
